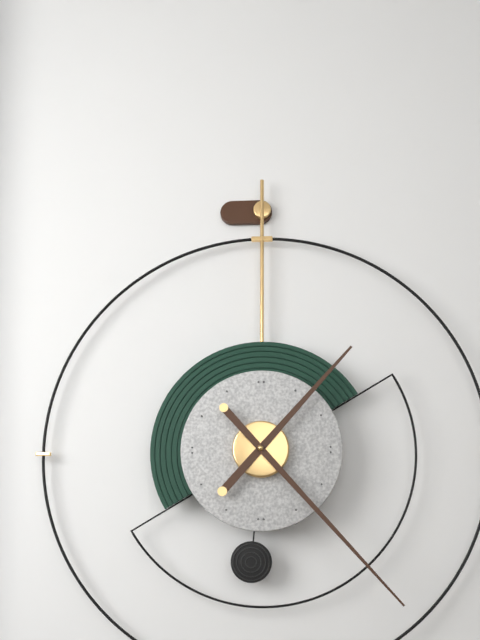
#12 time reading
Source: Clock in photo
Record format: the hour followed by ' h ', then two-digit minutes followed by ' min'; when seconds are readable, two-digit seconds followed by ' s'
1 h 23 min
